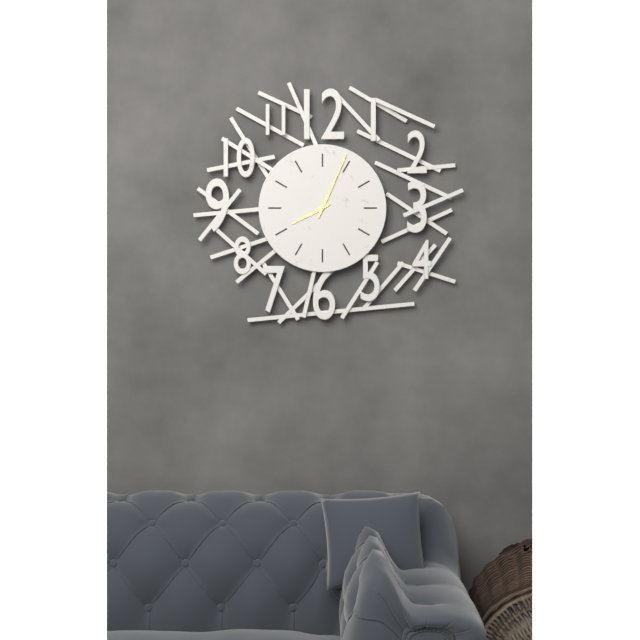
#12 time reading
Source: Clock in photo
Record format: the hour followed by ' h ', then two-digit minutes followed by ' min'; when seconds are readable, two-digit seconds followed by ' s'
8 h 04 min
